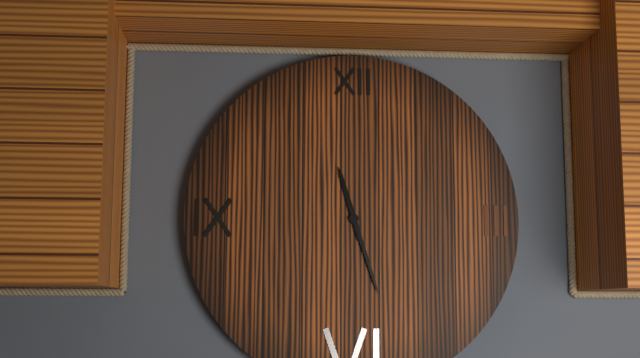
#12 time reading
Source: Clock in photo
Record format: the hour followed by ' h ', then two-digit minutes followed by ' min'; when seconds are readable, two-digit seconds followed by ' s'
11 h 27 min
